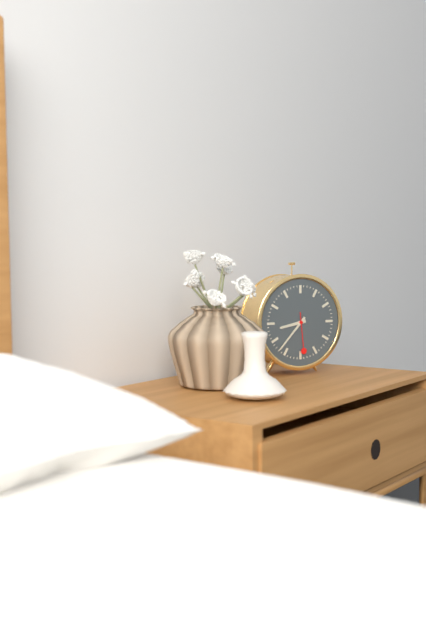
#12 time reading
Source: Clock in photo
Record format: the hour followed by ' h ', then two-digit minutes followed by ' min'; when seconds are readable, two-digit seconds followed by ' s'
8 h 37 min
